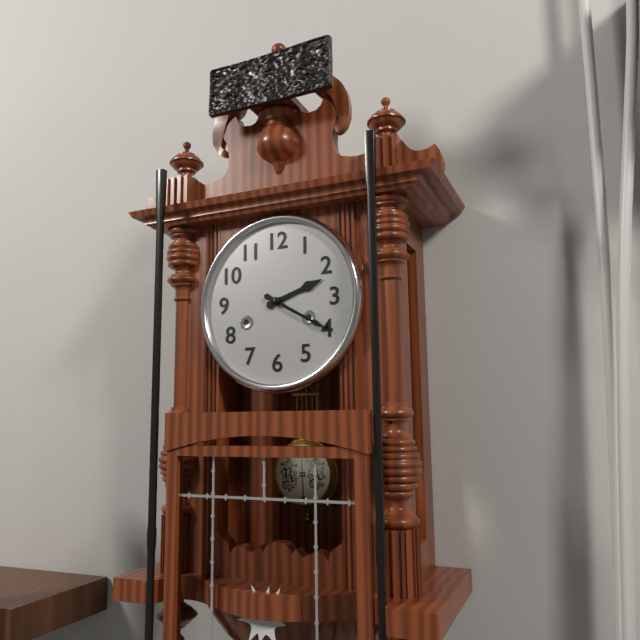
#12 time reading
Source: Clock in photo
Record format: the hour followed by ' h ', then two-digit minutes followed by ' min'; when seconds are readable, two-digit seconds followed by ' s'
2 h 20 min
